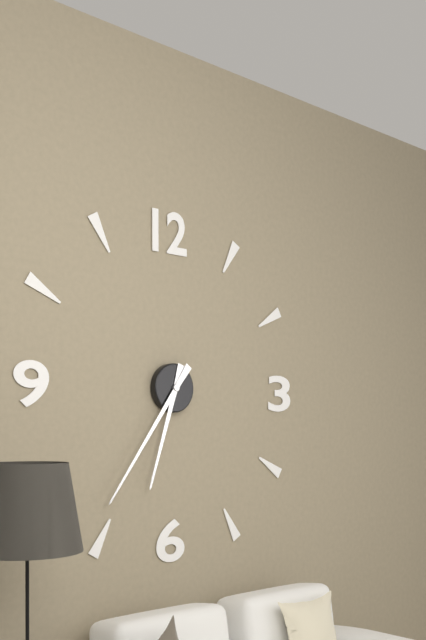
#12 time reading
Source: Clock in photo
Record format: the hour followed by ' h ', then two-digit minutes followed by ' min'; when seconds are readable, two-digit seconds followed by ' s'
6 h 36 min
